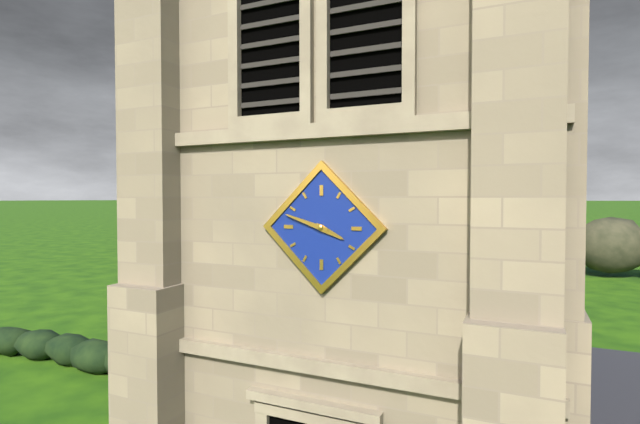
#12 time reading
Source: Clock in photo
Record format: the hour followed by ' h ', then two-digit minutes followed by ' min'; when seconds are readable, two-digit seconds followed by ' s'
3 h 48 min
